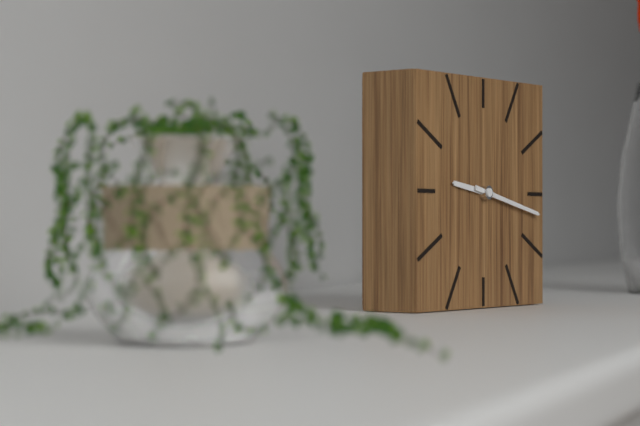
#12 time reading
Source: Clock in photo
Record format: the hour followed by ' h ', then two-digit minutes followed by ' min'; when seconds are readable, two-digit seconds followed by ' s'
9 h 17 min
